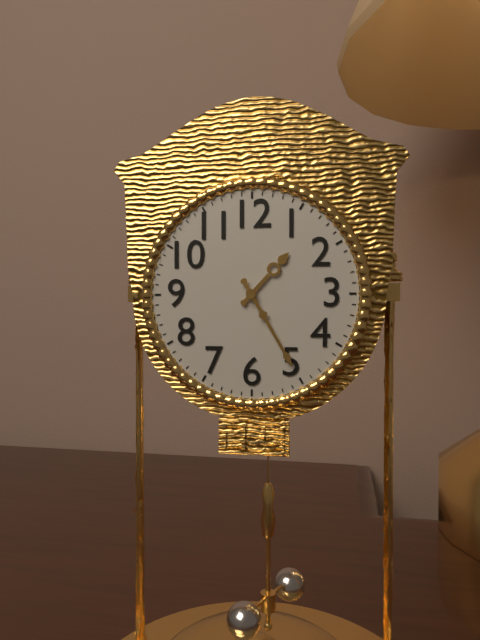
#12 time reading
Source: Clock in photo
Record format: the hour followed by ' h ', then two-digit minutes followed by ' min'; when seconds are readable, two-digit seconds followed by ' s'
1 h 25 min
